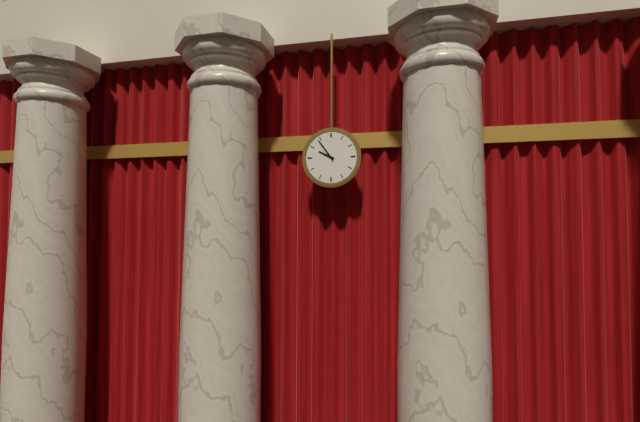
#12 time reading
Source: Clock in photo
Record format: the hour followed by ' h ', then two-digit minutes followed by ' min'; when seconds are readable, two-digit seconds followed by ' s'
9 h 54 min
